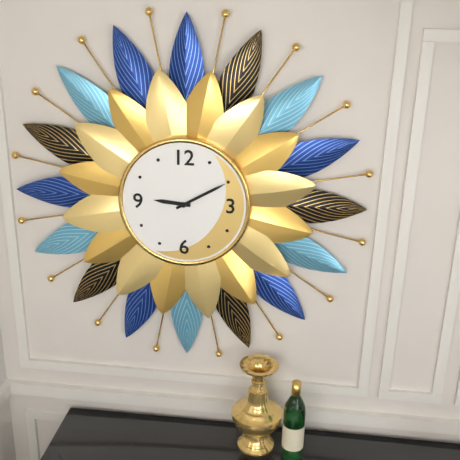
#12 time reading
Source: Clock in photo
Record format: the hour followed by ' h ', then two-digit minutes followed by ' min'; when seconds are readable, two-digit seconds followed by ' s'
9 h 10 min
